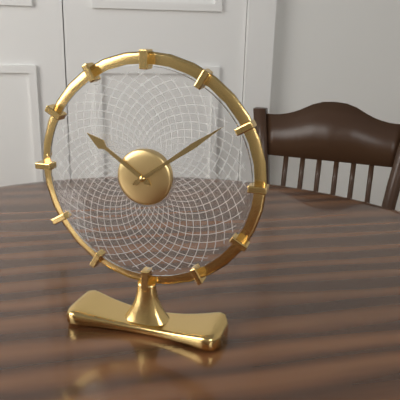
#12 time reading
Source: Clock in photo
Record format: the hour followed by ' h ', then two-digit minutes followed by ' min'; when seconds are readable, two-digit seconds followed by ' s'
10 h 09 min
